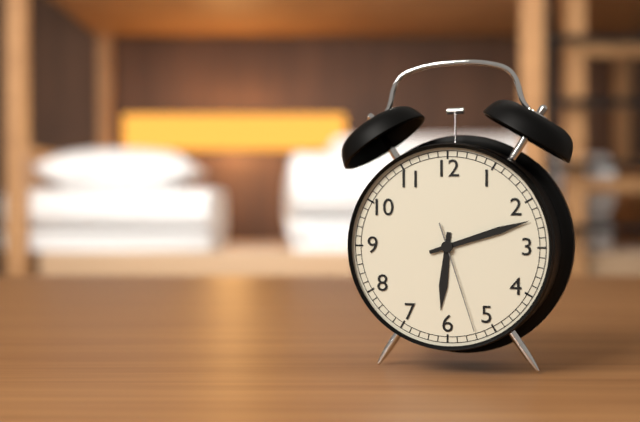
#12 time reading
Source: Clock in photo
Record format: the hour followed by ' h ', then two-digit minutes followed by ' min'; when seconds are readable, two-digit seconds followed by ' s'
6 h 12 min 27 s
